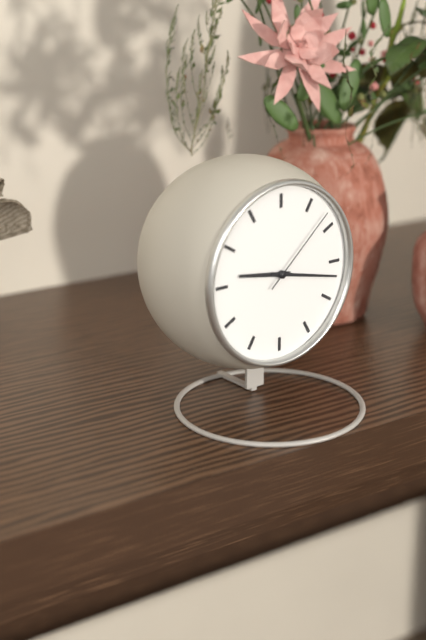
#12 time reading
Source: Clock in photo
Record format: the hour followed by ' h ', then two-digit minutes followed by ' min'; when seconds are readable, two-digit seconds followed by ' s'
9 h 17 min 08 s
